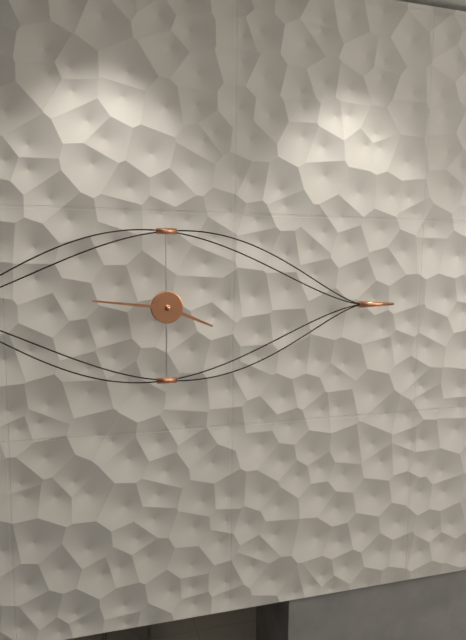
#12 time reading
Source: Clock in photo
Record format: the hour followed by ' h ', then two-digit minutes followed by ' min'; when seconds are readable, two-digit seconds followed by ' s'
3 h 46 min
